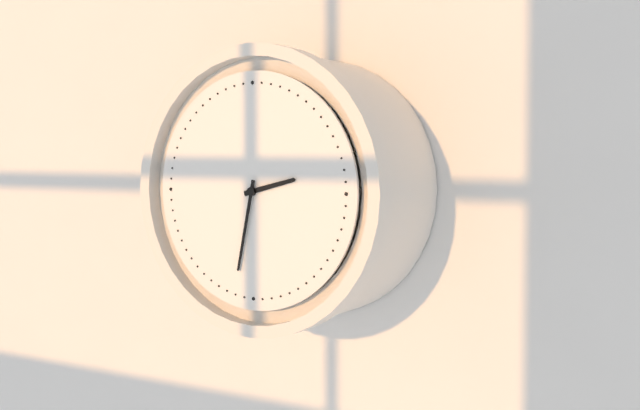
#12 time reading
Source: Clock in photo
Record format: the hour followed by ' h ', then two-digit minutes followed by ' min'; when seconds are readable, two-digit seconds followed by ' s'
2 h 32 min
